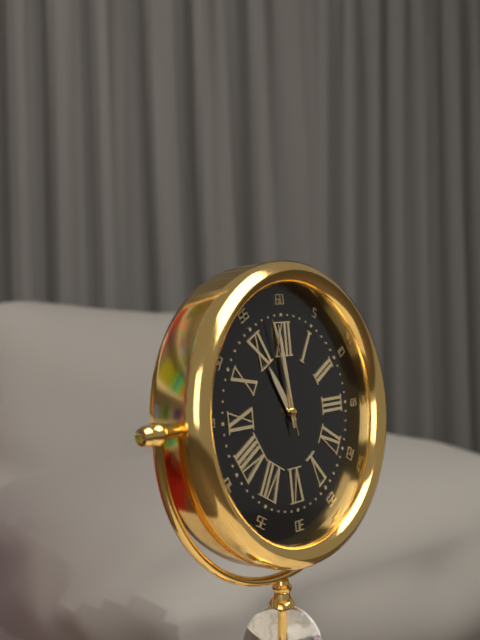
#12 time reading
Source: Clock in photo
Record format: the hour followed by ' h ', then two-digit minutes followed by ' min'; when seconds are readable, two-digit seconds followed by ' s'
10 h 59 min 58 s
